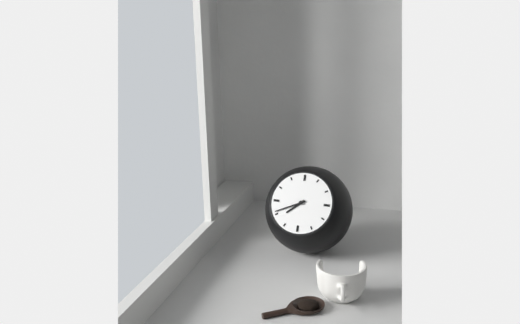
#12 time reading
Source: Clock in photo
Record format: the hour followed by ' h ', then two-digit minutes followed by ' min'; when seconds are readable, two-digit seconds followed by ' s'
7 h 41 min
